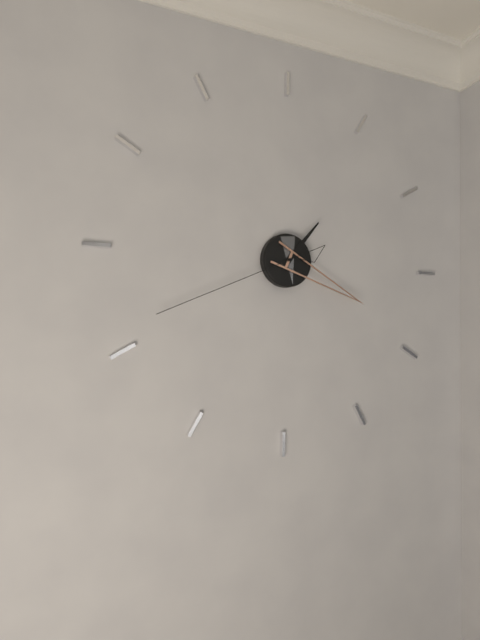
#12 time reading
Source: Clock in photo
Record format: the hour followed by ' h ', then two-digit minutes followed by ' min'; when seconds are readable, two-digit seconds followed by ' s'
1 h 19 min 41 s
